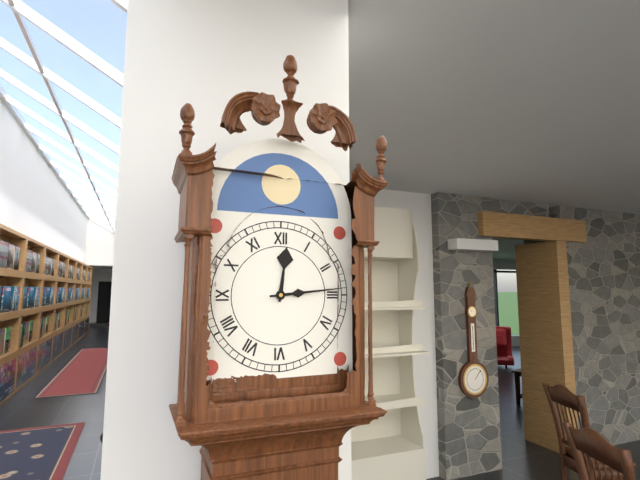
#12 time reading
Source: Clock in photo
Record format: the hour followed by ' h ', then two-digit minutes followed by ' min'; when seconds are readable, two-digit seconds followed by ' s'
12 h 14 min
